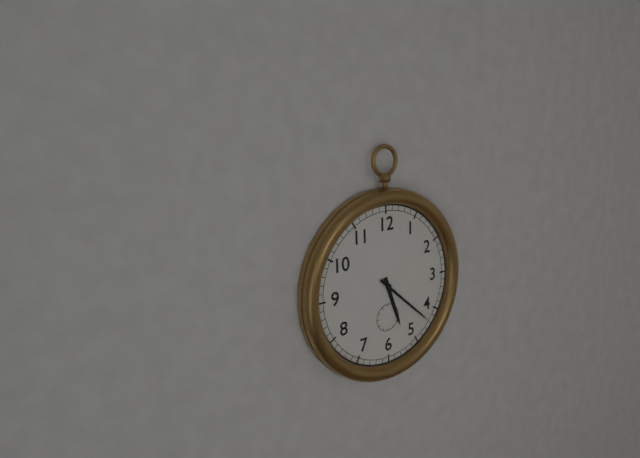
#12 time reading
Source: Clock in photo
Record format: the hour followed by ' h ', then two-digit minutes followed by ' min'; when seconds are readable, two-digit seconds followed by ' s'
5 h 22 min
